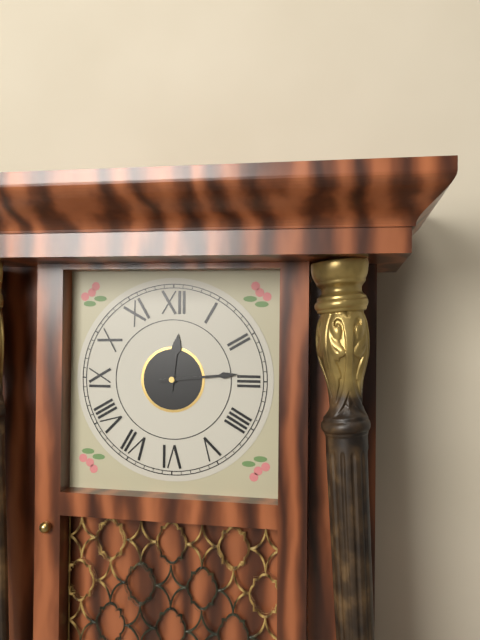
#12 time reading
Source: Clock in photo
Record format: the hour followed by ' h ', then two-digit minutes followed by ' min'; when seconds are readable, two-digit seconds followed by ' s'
12 h 14 min
